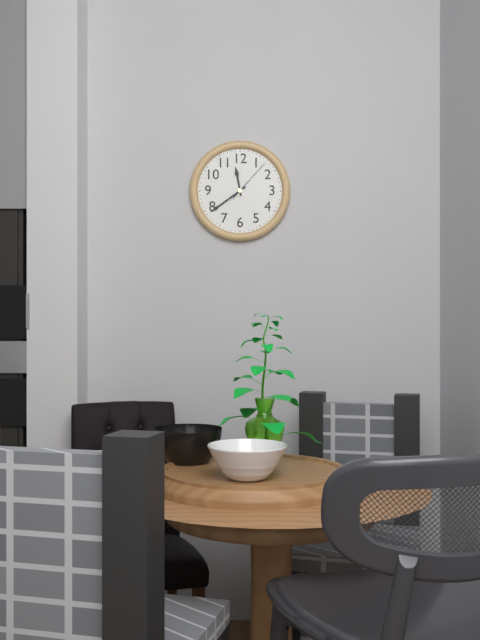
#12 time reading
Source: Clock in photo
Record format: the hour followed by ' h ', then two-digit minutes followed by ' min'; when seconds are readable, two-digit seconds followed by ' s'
11 h 39 min
